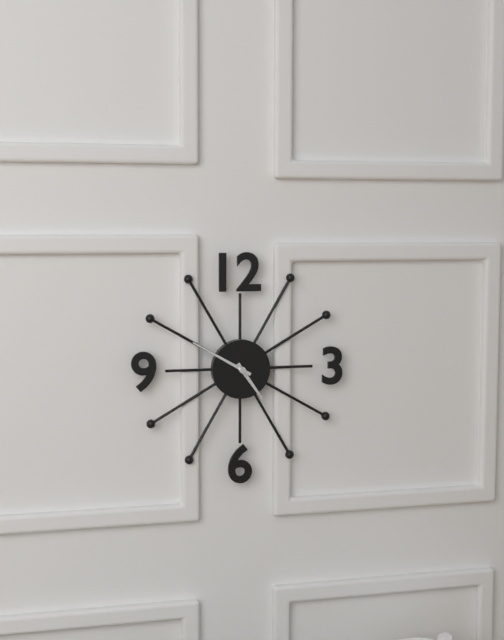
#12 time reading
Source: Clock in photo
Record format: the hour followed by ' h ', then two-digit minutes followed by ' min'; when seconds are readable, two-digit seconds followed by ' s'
4 h 50 min
